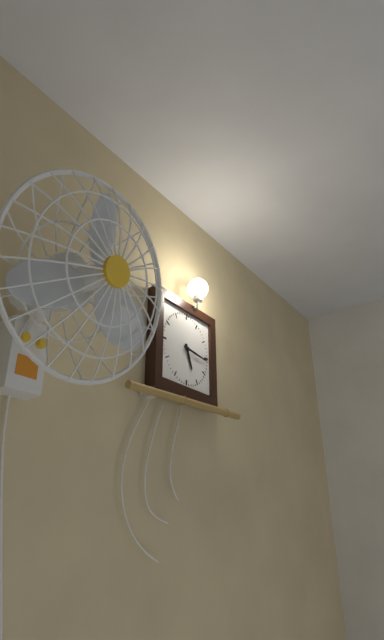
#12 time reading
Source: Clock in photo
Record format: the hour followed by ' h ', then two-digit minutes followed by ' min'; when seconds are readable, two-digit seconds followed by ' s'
5 h 16 min
